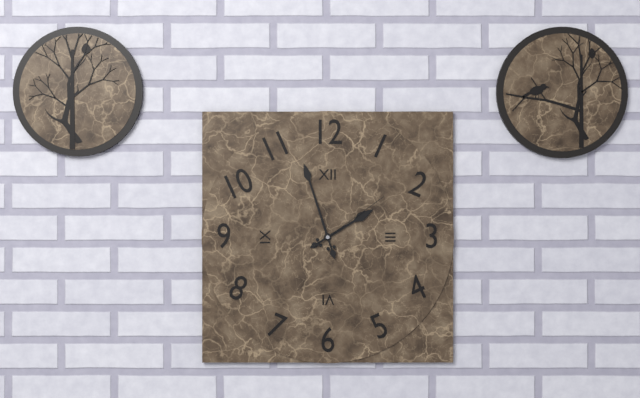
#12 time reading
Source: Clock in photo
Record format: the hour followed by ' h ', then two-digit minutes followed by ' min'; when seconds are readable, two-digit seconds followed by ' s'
1 h 57 min 09 s
